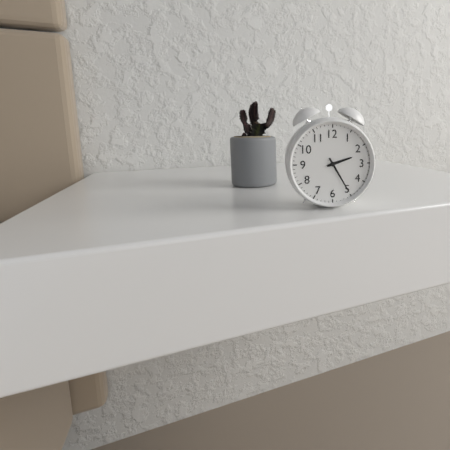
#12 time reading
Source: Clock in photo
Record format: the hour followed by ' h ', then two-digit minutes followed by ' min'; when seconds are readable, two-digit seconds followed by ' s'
2 h 25 min
